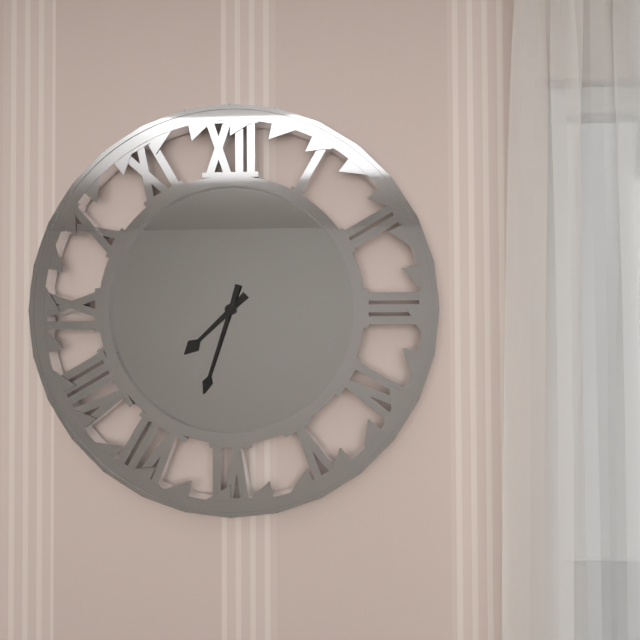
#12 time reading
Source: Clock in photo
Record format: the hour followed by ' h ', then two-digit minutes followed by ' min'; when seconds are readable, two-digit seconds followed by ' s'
7 h 33 min
